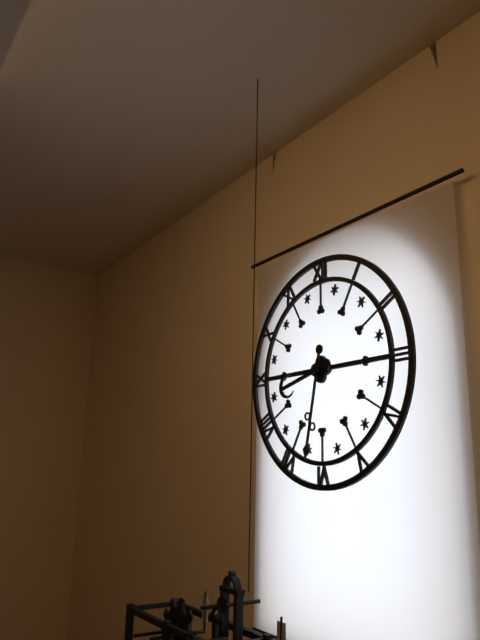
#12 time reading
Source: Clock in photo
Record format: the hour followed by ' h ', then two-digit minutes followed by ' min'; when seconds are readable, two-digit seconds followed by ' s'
8 h 32 min
